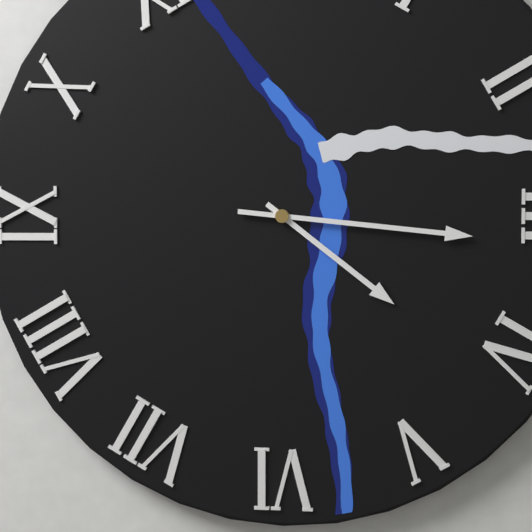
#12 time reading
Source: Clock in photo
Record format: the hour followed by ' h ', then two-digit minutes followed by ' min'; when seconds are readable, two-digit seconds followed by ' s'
4 h 16 min
